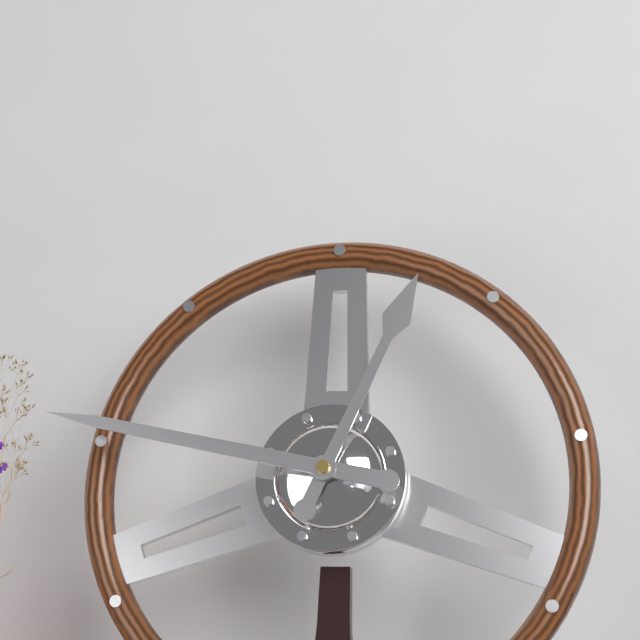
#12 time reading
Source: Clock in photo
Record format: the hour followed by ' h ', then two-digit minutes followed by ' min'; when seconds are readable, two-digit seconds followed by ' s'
12 h 47 min
